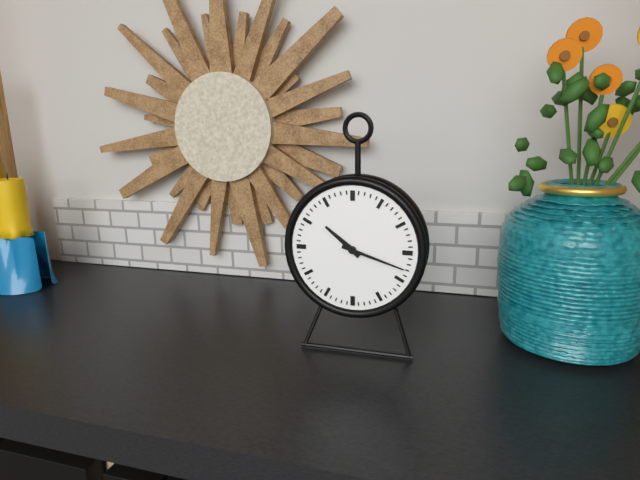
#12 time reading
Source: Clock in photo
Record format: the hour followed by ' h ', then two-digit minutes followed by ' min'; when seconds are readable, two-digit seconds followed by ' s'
10 h 18 min
